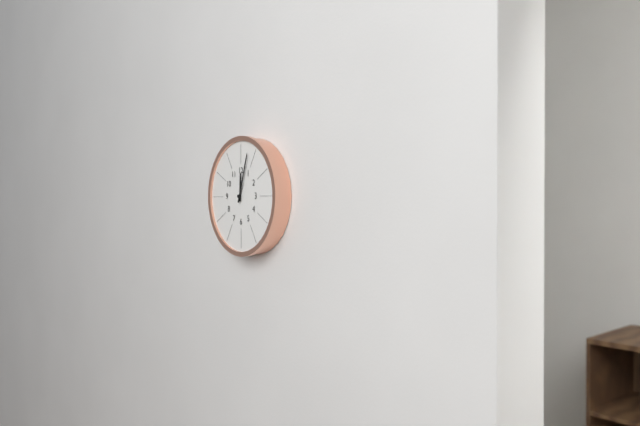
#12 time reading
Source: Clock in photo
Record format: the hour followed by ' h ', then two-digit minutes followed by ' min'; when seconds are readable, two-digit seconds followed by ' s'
12 h 03 min
